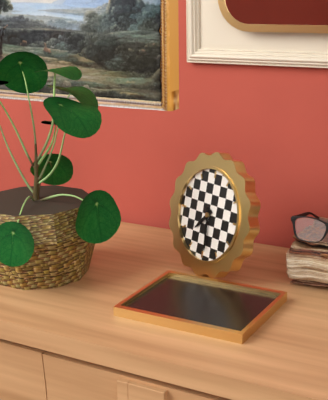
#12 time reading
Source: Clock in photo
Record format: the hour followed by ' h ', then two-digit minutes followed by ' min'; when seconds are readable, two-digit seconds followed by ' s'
7 h 29 min
